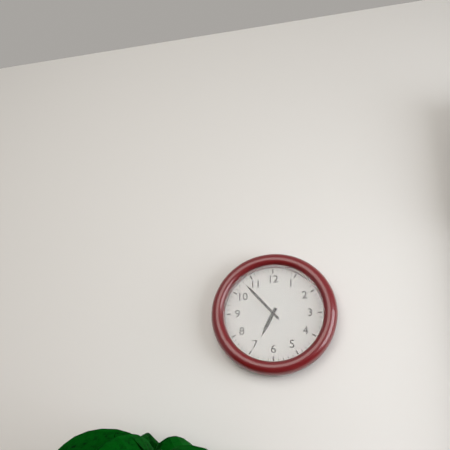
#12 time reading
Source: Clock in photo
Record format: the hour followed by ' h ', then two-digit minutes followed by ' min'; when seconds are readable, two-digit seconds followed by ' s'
6 h 53 min
